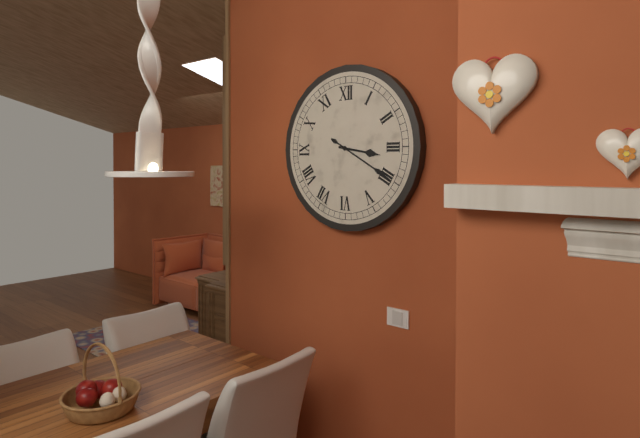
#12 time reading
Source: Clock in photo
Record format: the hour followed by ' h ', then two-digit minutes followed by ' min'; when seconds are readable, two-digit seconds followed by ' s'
3 h 20 min
